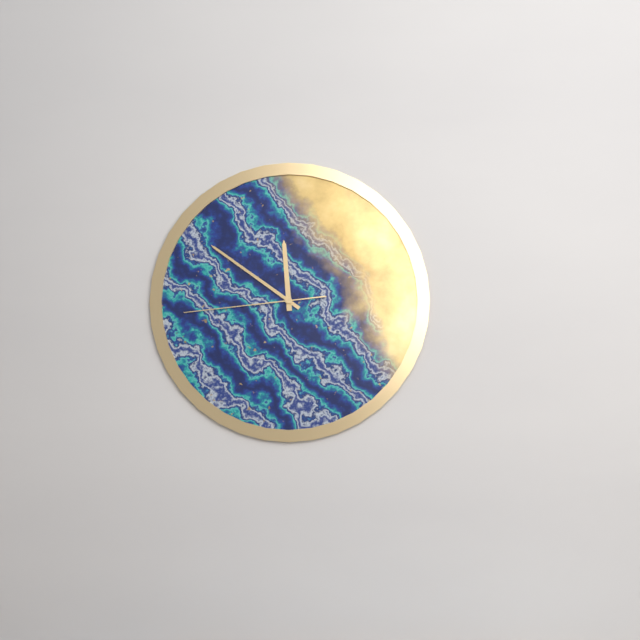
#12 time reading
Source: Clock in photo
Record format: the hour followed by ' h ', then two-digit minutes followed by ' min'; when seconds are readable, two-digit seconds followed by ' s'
11 h 51 min 44 s
